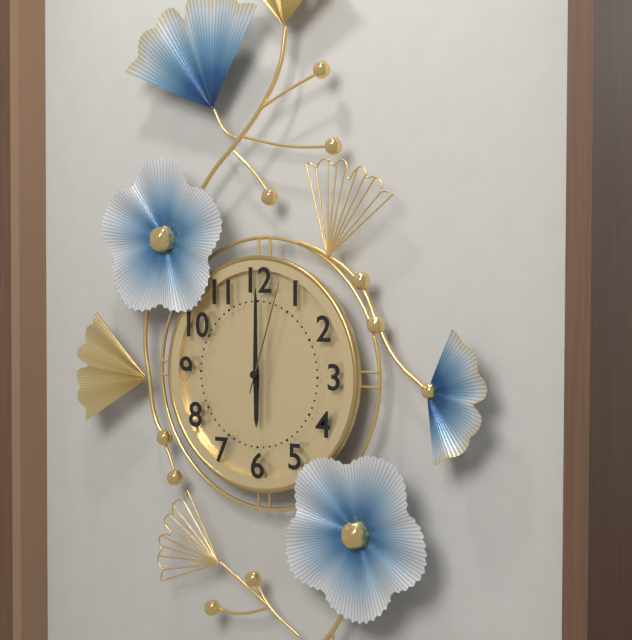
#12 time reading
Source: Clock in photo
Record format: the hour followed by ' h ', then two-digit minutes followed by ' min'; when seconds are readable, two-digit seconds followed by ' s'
6 h 00 min 03 s
